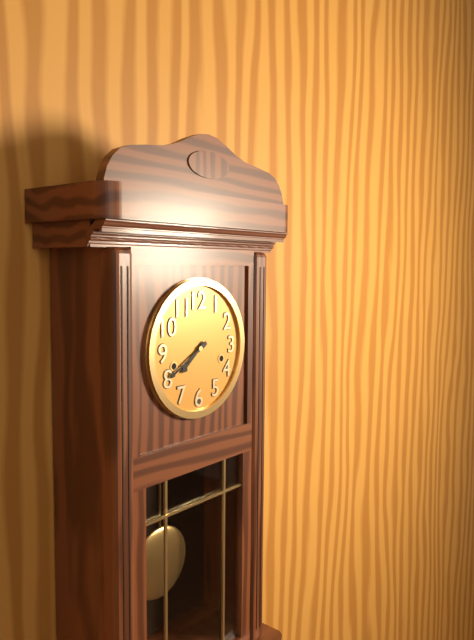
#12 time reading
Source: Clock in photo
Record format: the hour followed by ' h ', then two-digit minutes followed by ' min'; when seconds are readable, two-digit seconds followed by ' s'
7 h 40 min
